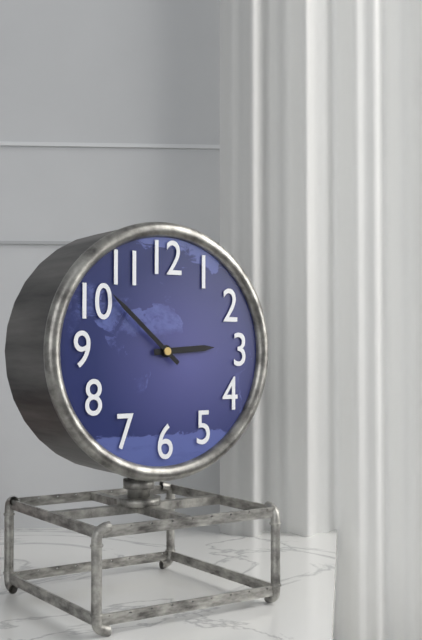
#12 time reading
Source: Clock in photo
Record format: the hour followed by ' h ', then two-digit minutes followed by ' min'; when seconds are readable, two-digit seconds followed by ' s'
2 h 52 min
